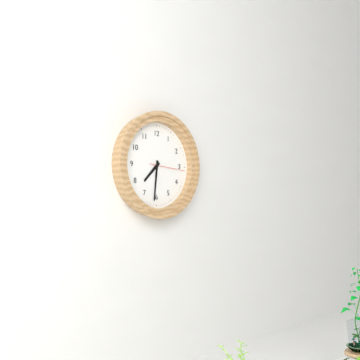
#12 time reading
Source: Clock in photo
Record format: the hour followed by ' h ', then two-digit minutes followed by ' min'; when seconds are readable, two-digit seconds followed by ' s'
7 h 31 min
